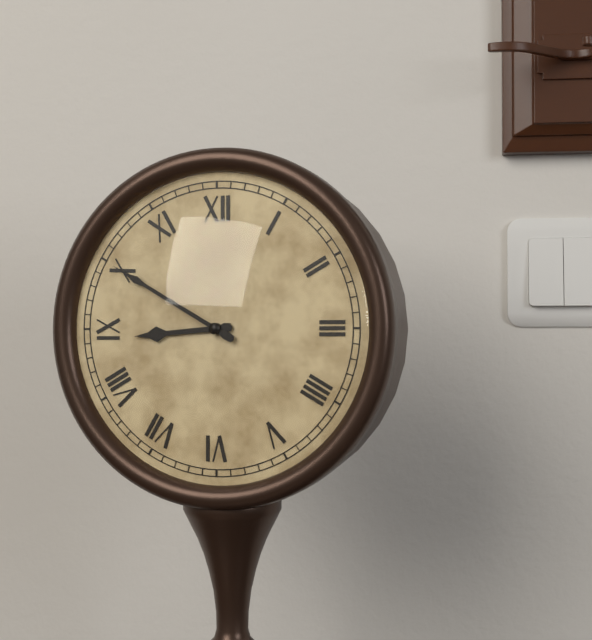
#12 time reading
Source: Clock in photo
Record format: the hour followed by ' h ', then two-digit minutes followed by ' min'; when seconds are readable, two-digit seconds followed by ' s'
8 h 50 min
